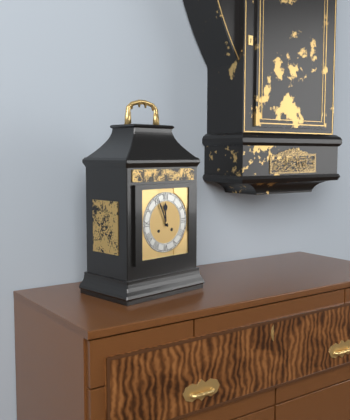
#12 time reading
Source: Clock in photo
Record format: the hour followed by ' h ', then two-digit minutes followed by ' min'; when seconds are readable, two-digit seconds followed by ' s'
11 h 56 min
